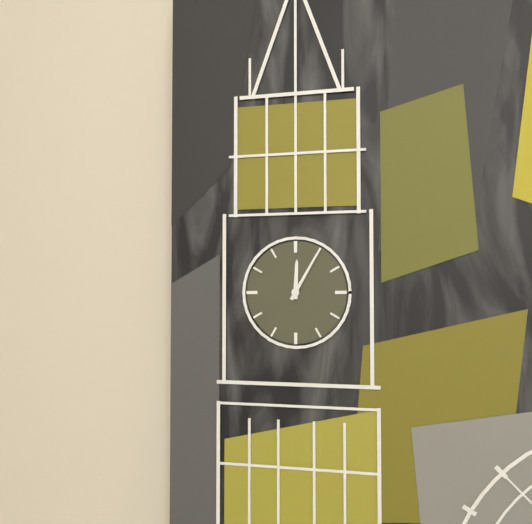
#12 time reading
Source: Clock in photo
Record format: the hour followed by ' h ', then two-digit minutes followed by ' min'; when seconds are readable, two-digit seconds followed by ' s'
12 h 05 min
